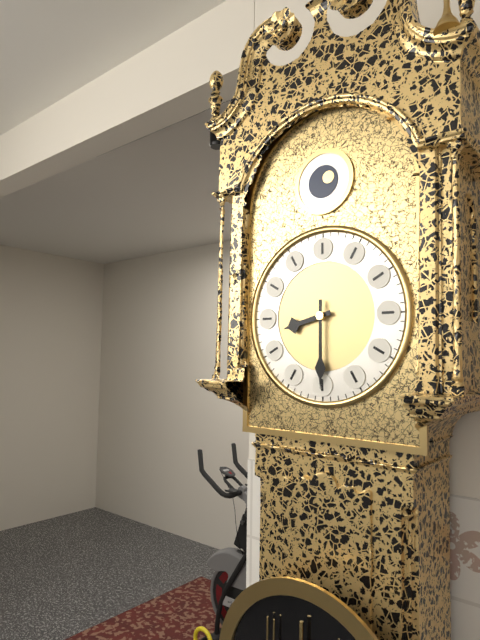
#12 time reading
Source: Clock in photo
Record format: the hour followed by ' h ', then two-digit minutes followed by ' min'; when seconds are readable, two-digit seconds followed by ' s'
8 h 30 min
